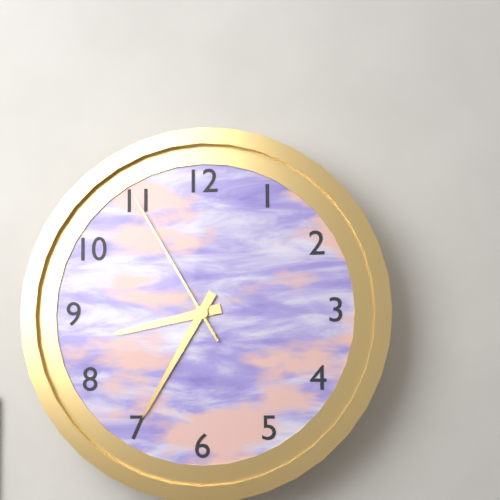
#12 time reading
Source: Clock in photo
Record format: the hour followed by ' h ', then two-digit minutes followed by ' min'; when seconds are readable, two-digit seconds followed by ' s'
8 h 35 min 55 s
